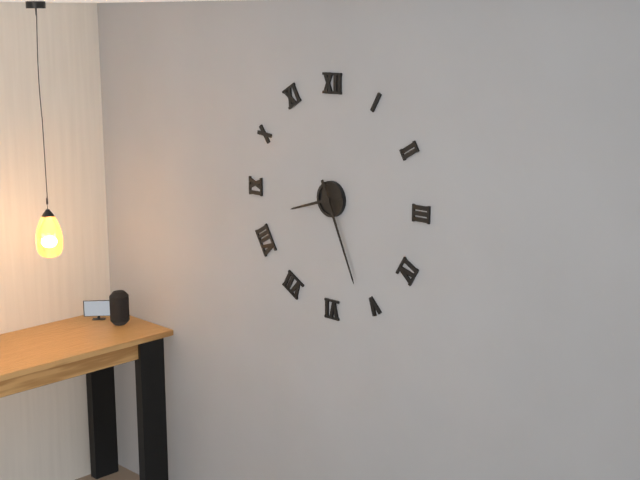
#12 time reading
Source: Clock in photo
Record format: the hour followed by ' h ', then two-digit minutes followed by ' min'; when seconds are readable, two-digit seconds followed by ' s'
8 h 26 min
